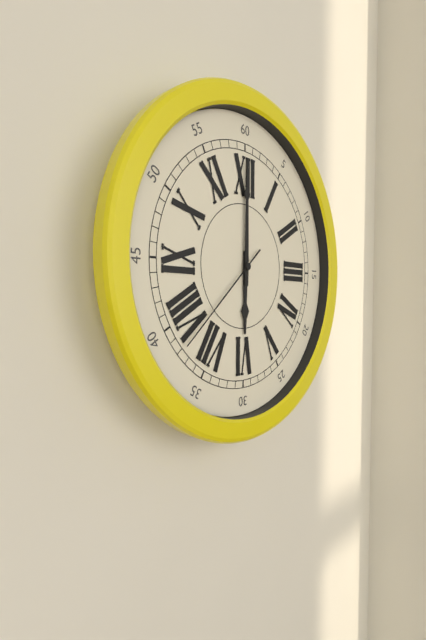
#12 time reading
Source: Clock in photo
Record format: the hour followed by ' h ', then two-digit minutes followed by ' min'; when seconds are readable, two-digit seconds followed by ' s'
6 h 00 min 38 s
